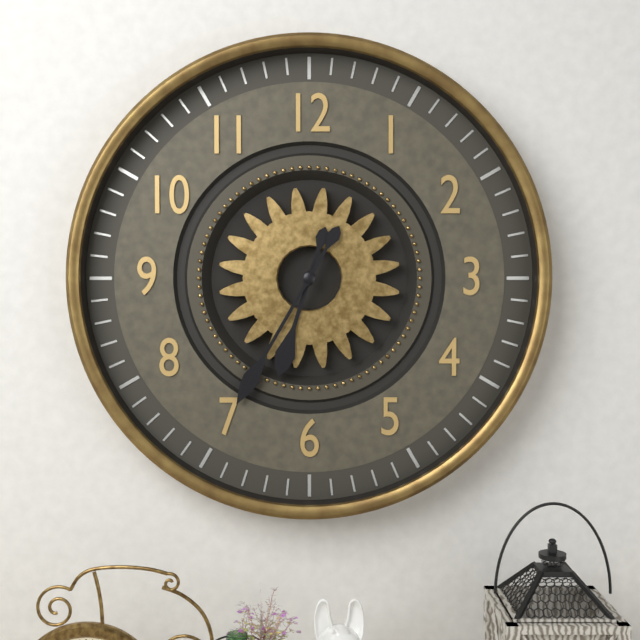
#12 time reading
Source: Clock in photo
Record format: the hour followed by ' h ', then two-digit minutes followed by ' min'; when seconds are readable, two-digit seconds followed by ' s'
6 h 35 min
